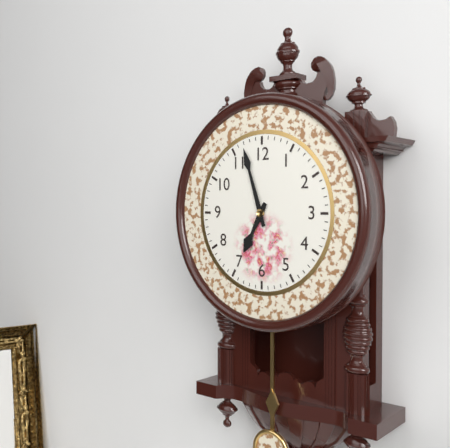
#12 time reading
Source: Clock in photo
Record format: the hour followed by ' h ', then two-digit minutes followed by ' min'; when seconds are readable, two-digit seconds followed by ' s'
6 h 57 min
